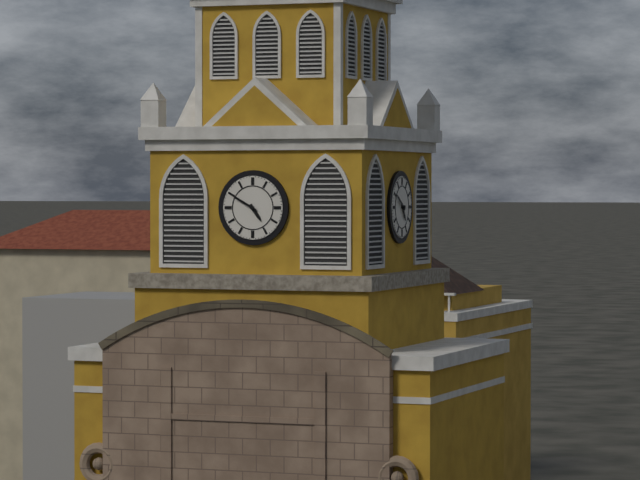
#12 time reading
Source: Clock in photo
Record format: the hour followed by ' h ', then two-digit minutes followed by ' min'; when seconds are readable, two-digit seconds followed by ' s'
4 h 50 min
